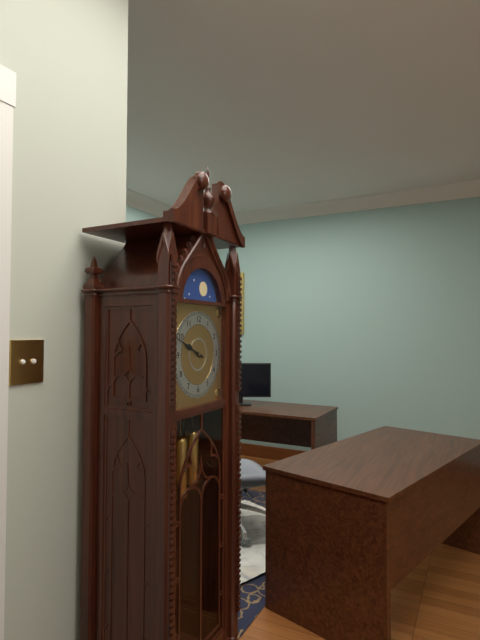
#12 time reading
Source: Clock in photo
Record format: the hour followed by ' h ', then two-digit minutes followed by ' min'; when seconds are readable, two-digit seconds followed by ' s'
9 h 49 min
